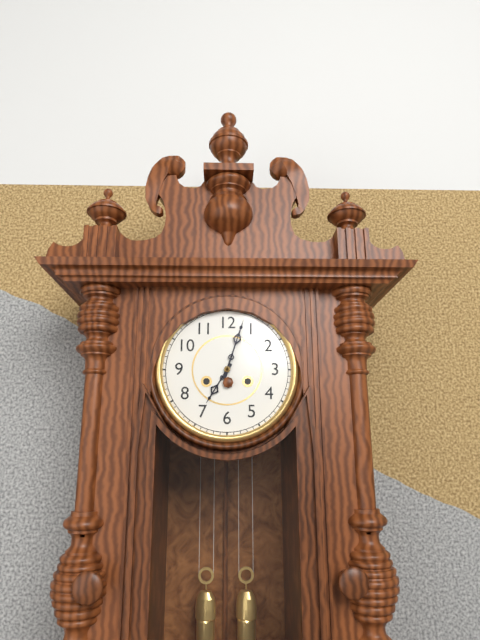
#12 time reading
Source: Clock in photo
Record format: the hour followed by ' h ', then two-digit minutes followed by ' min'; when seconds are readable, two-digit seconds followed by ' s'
7 h 03 min
